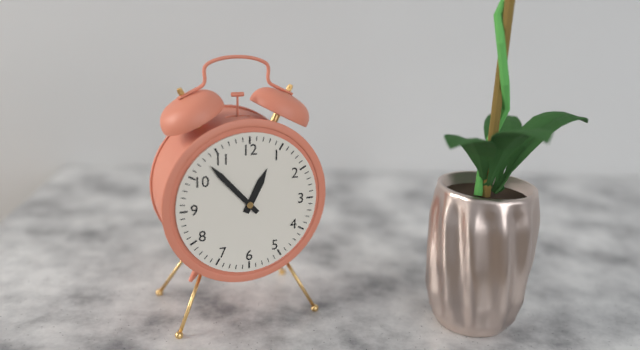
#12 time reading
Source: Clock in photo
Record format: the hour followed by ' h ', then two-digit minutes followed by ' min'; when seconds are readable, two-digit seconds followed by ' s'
12 h 53 min
